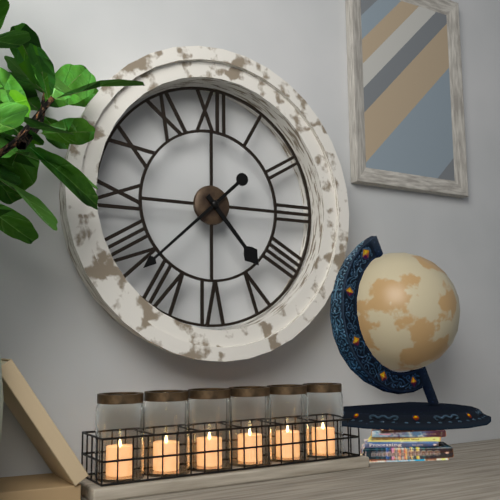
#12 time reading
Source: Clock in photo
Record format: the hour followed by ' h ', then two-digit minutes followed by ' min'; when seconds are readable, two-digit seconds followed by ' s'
4 h 38 min
